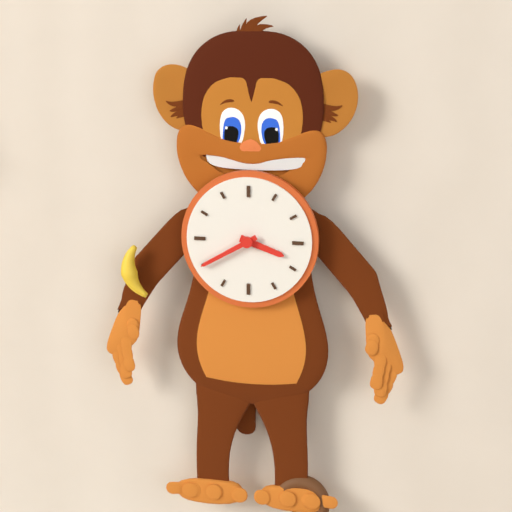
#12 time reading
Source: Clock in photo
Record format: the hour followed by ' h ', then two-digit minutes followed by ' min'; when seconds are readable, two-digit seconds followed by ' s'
3 h 40 min
